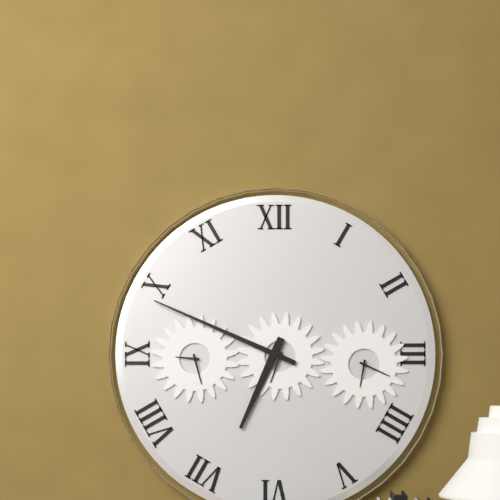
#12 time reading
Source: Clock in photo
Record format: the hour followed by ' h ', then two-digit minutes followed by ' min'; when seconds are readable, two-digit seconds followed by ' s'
6 h 49 min
